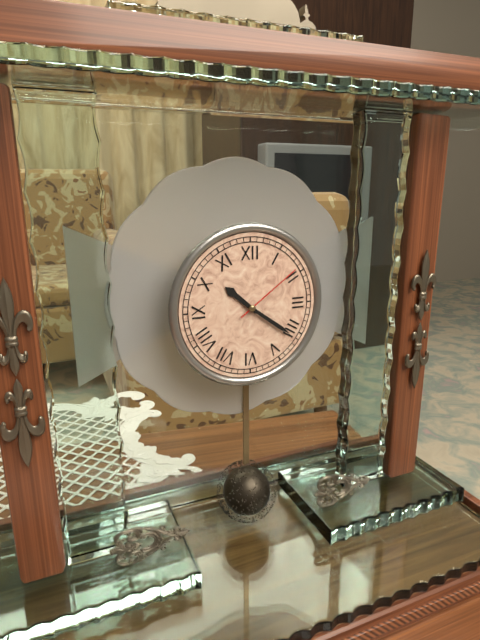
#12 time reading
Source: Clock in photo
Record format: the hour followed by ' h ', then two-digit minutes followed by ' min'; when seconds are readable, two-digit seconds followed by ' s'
10 h 21 min 09 s
